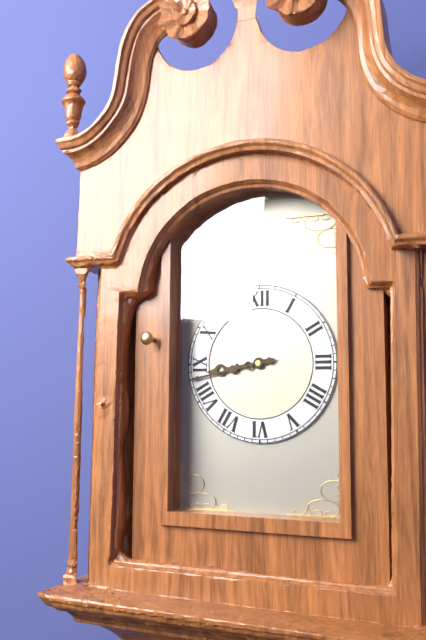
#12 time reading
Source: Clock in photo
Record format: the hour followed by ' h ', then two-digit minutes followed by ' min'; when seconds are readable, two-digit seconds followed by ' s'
8 h 43 min
